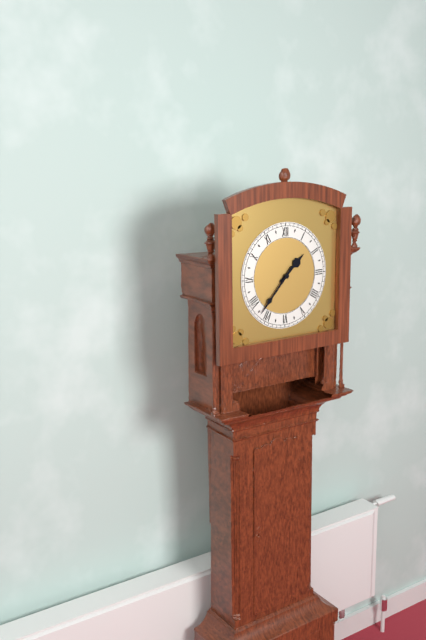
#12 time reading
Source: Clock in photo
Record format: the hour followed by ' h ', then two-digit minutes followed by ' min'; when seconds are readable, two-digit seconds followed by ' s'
1 h 37 min
